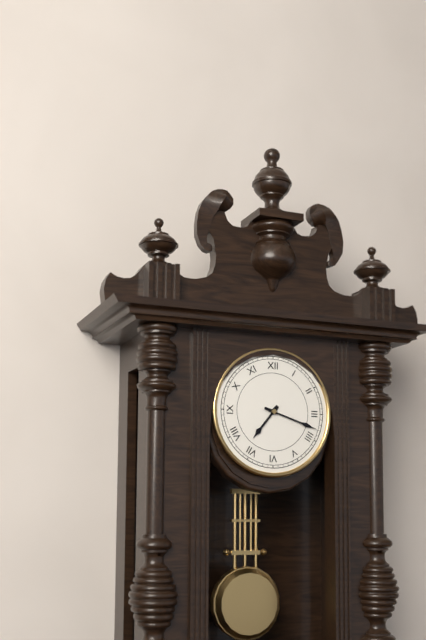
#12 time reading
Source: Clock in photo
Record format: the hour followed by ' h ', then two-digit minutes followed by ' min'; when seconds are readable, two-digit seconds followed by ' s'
7 h 18 min
